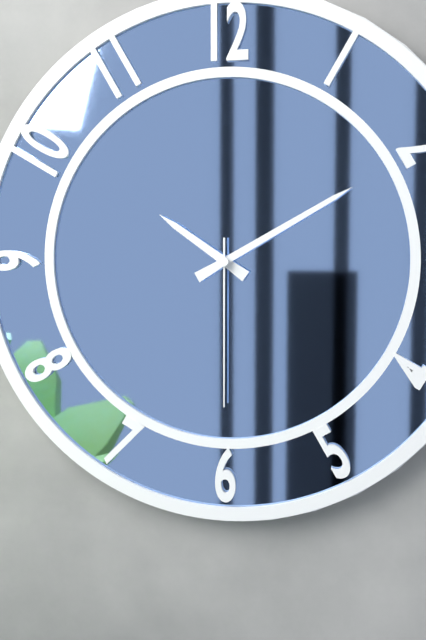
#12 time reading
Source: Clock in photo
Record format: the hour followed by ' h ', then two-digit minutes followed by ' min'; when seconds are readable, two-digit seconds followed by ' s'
10 h 10 min 30 s
